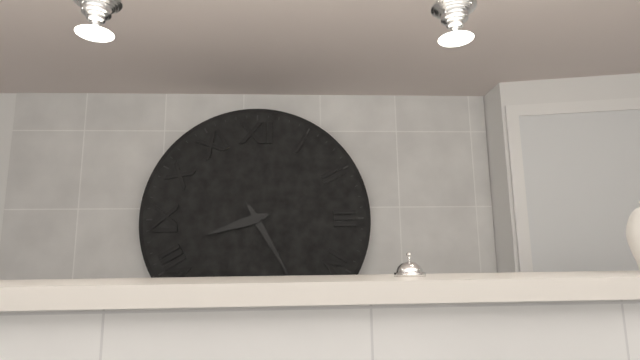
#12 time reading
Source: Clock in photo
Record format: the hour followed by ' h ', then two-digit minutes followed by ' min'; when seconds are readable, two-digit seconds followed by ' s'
8 h 25 min
